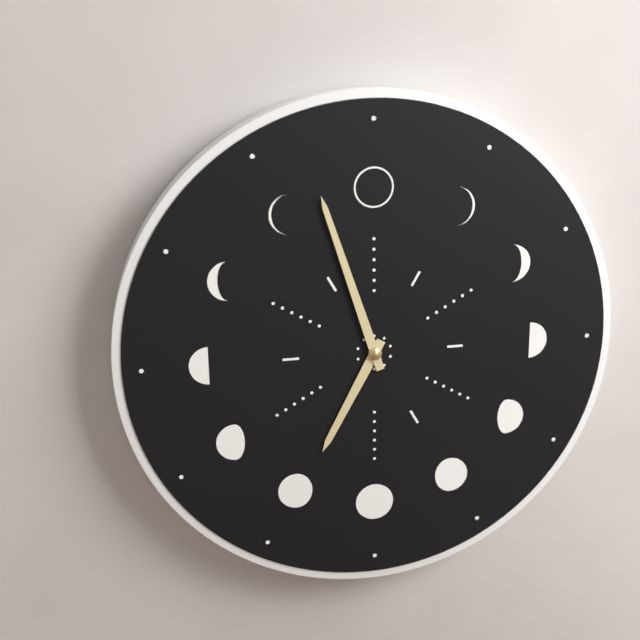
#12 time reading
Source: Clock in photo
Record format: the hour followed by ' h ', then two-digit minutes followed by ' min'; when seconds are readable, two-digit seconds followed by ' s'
6 h 57 min
